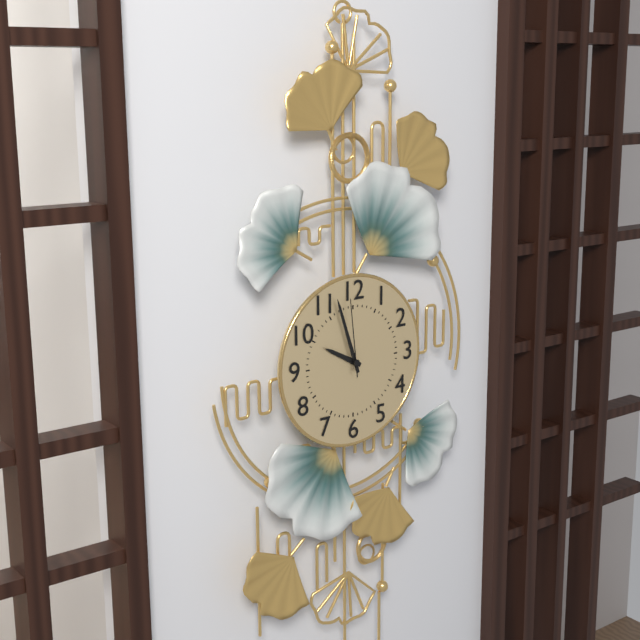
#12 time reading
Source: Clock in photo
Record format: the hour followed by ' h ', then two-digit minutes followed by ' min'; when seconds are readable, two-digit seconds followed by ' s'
9 h 57 min 59 s
